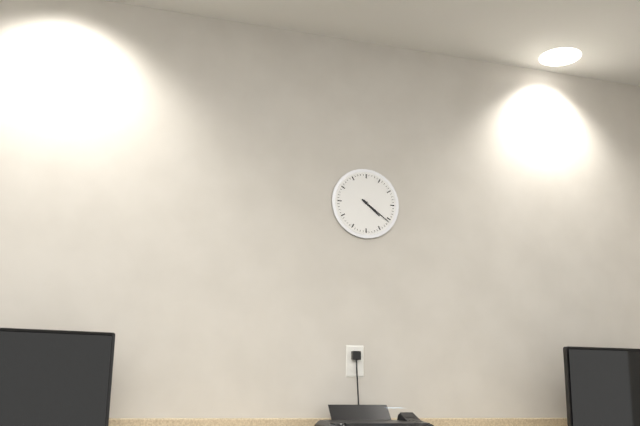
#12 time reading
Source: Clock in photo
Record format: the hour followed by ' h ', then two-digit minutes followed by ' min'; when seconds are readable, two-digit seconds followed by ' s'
4 h 21 min
